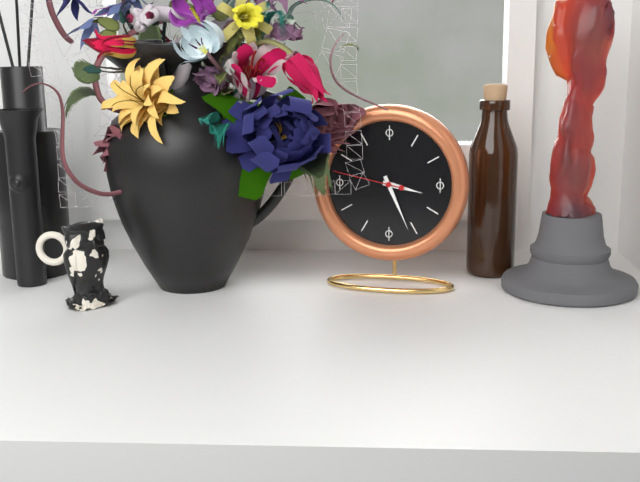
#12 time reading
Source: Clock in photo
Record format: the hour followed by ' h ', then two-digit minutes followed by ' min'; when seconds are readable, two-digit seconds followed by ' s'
3 h 26 min 47 s
